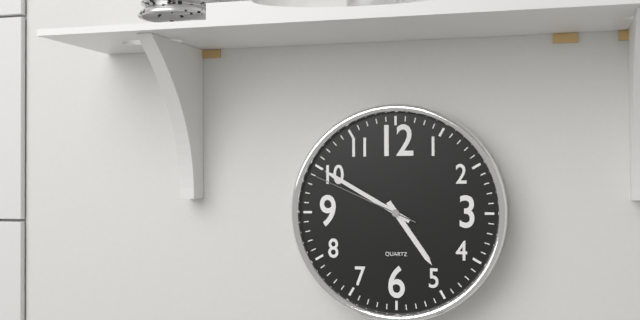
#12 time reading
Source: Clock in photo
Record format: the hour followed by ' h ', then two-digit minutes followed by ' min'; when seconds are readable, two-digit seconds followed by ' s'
4 h 50 min 49 s
